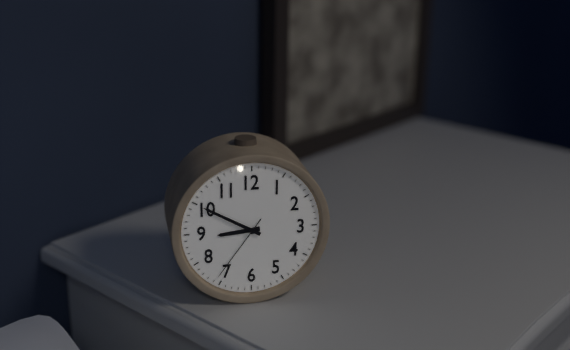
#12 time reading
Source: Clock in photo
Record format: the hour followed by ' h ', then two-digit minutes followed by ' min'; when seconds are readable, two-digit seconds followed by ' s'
8 h 50 min 36 s
